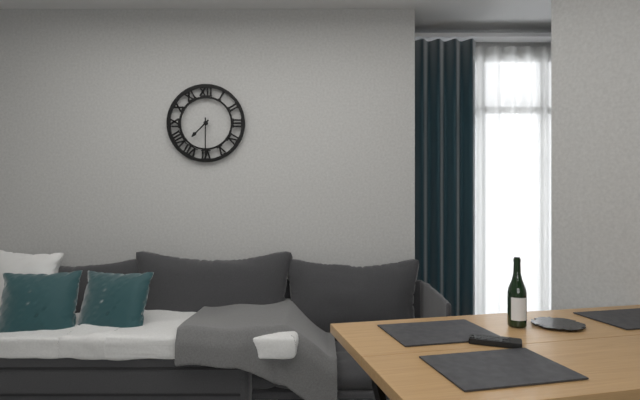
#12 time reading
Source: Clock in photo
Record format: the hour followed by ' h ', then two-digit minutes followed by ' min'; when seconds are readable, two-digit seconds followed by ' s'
7 h 30 min
